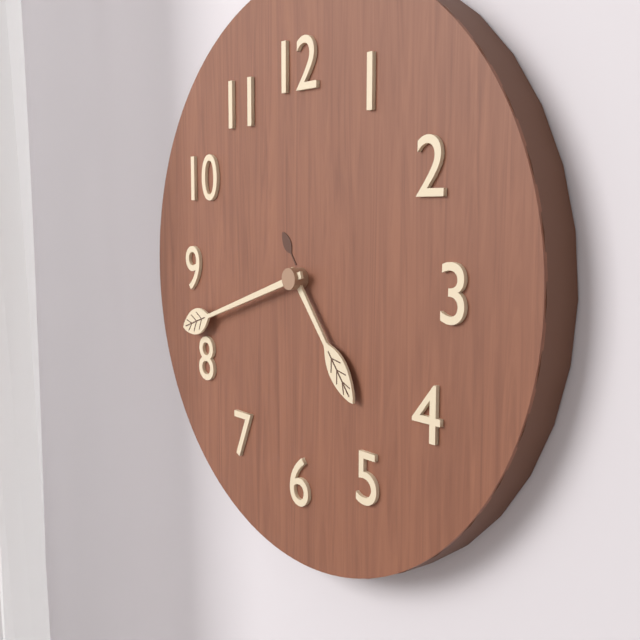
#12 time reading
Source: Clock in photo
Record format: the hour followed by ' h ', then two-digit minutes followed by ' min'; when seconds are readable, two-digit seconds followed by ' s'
4 h 42 min
